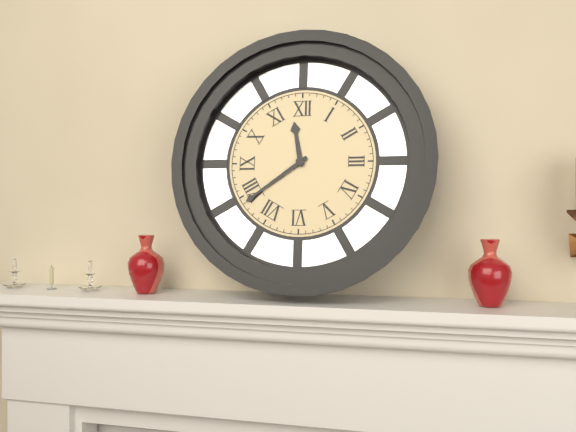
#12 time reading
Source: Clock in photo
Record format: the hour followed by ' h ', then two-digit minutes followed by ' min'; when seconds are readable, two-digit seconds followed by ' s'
11 h 39 min
